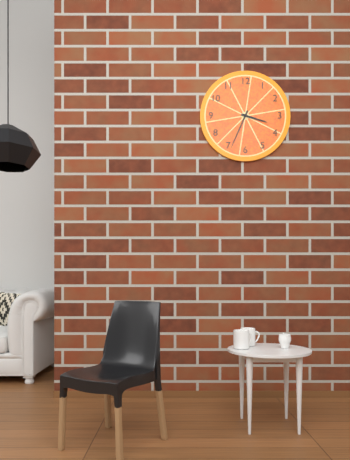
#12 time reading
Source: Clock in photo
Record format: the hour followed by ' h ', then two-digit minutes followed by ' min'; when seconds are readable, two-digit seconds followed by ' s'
3 h 34 min
